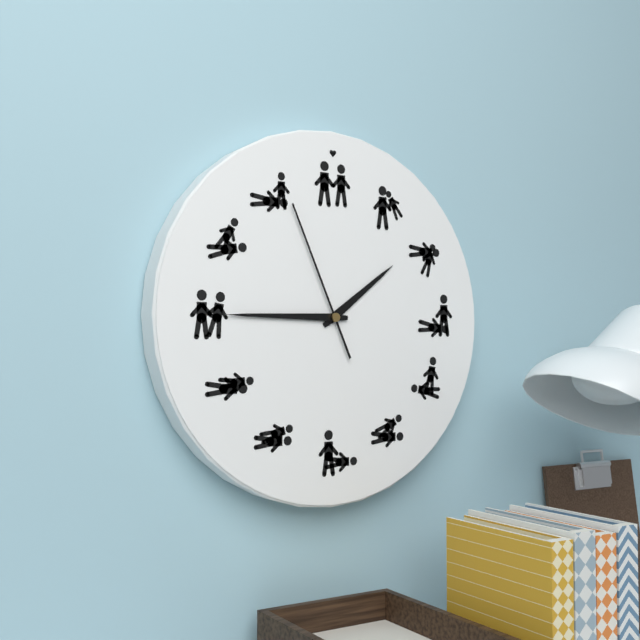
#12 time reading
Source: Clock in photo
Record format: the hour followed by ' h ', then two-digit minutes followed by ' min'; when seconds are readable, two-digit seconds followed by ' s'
1 h 45 min 56 s
